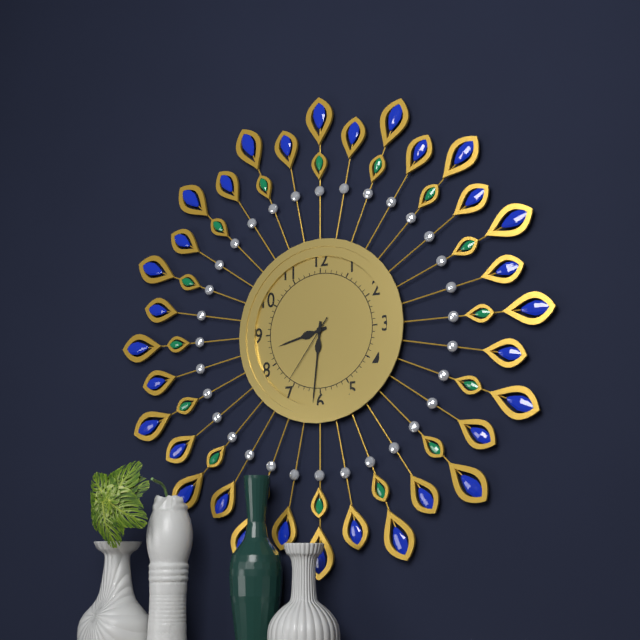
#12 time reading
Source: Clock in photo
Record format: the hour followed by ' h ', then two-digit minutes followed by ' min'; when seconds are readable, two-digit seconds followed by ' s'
8 h 31 min 36 s
